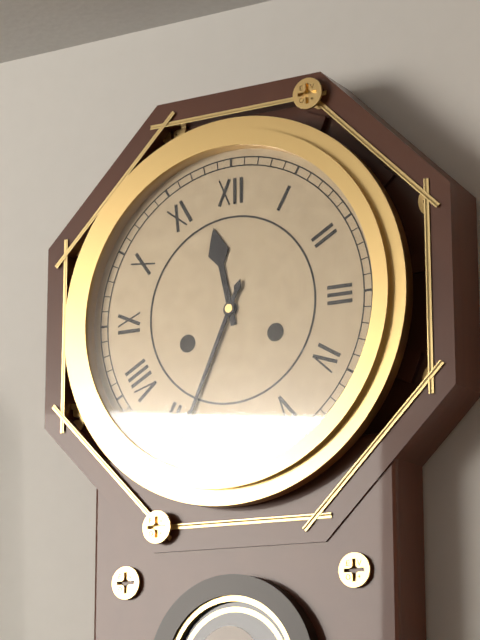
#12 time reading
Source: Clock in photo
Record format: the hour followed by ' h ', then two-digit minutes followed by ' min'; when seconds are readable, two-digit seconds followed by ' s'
11 h 34 min
